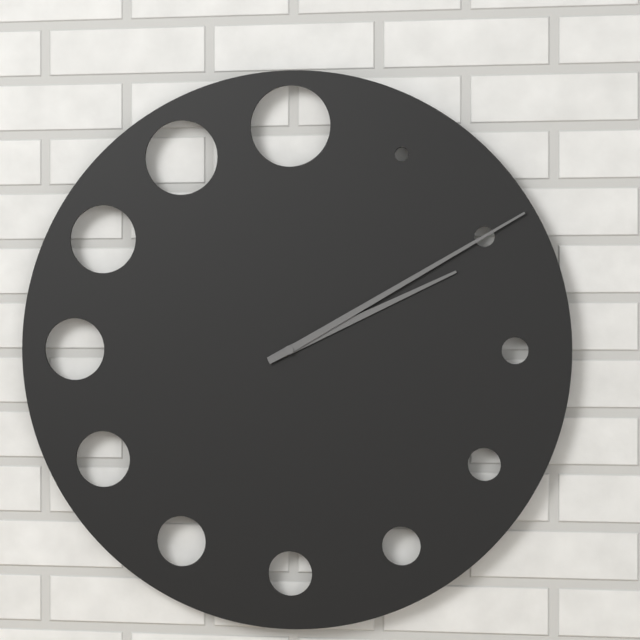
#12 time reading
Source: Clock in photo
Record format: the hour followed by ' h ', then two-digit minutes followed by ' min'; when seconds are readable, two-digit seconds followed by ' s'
2 h 10 min
